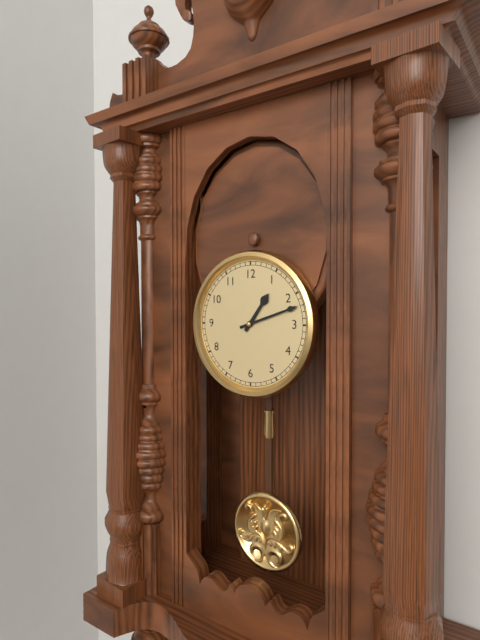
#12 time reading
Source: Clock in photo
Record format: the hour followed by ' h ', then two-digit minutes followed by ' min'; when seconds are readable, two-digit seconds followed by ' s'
1 h 12 min
